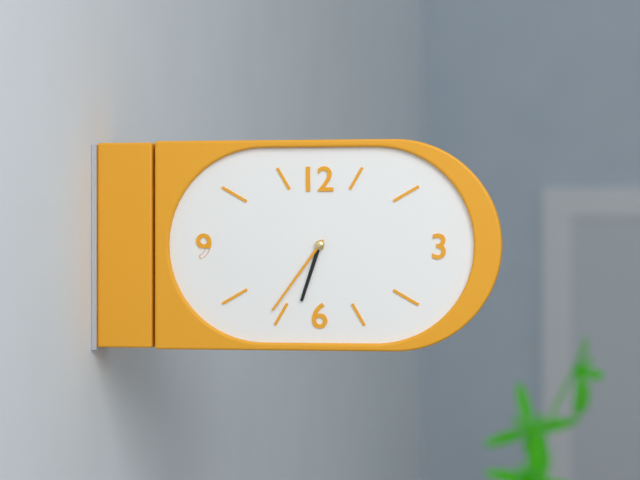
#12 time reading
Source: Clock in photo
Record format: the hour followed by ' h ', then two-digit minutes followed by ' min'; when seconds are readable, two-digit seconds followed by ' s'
6 h 36 min
